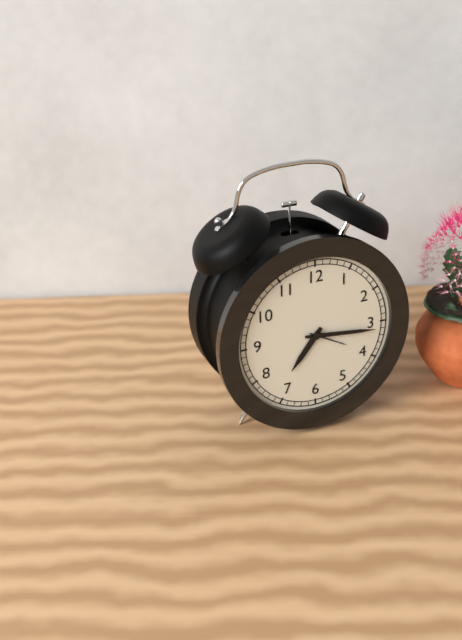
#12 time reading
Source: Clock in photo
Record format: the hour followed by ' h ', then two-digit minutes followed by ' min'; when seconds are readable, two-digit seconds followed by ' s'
7 h 16 min
